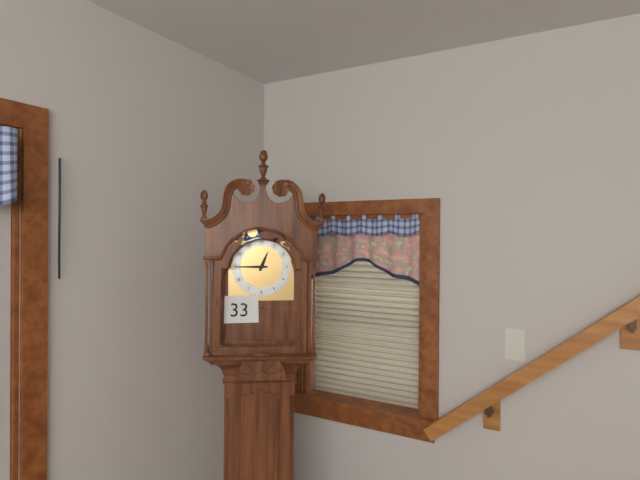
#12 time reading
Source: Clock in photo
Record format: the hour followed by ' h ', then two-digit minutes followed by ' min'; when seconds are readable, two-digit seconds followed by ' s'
12 h 45 min
